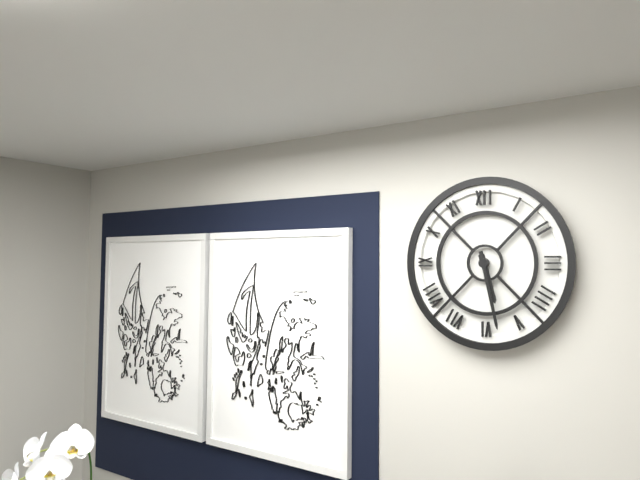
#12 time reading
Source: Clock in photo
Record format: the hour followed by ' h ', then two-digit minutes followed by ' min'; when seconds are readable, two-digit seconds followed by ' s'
5 h 28 min
